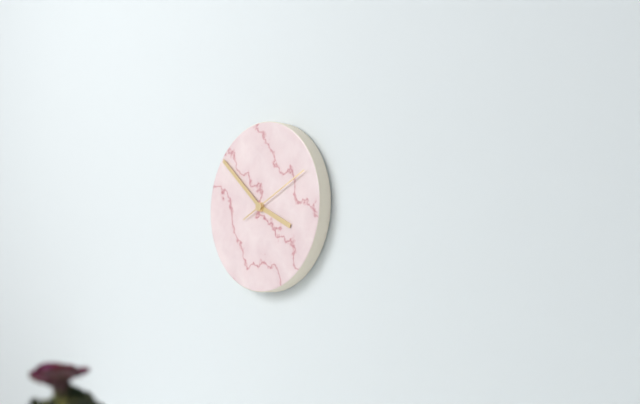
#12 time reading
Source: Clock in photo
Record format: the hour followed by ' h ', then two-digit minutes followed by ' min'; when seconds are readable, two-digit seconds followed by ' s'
3 h 52 min 11 s
